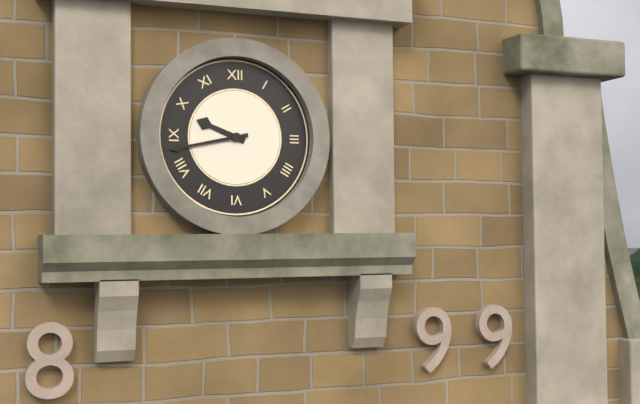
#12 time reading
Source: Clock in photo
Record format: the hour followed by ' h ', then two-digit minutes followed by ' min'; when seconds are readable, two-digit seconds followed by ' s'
9 h 43 min
